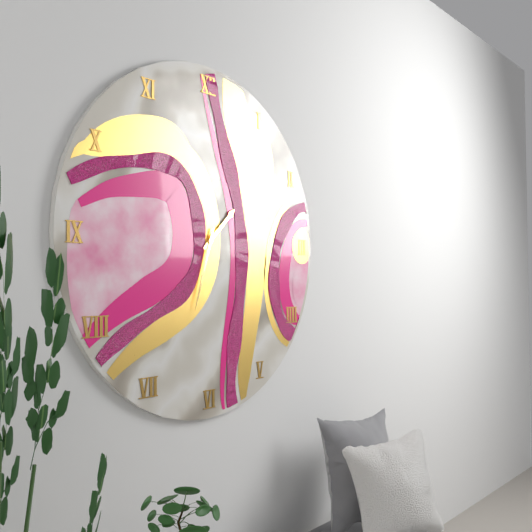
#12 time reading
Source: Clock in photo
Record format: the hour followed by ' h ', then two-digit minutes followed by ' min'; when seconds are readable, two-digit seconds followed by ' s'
1 h 33 min
